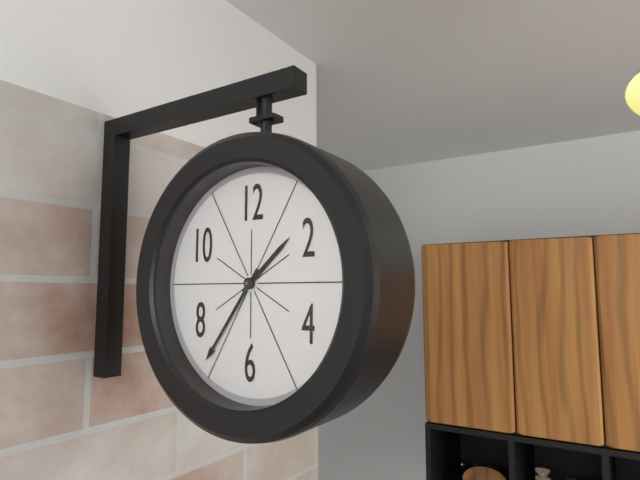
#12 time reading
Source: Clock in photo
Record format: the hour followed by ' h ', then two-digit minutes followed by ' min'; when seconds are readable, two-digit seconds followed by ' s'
1 h 36 min
